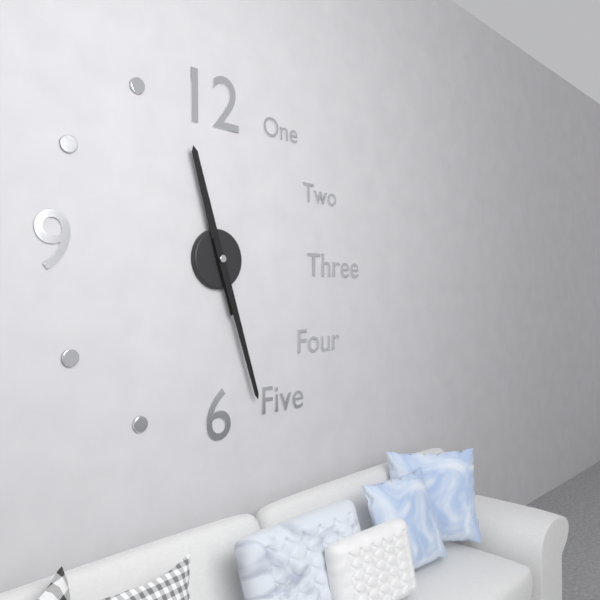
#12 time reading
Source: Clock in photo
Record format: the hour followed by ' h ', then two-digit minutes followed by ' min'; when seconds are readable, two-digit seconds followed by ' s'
11 h 27 min
